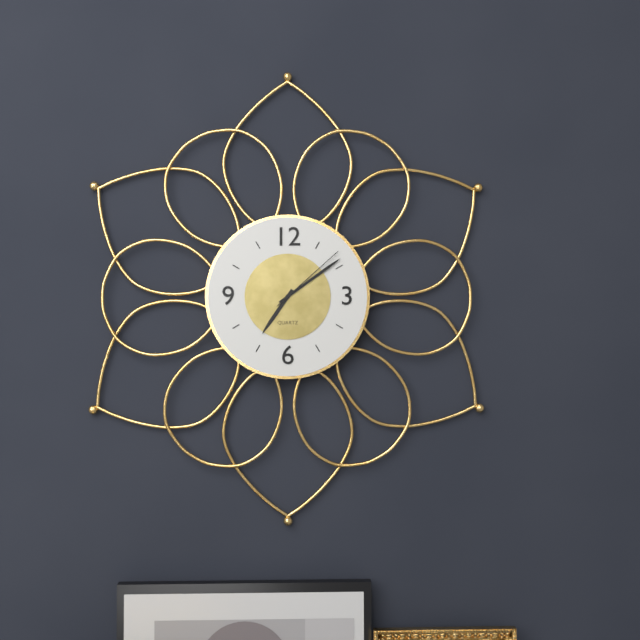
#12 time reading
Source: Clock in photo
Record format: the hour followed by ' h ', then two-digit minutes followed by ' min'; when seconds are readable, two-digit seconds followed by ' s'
7 h 09 min 08 s
